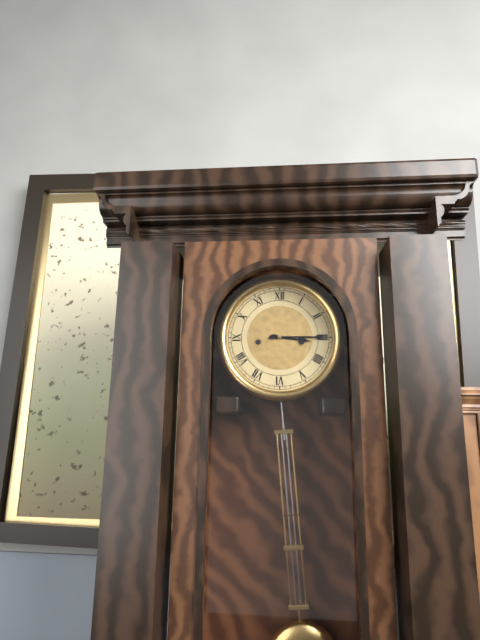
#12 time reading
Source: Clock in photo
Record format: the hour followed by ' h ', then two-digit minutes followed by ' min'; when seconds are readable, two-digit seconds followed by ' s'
3 h 15 min
